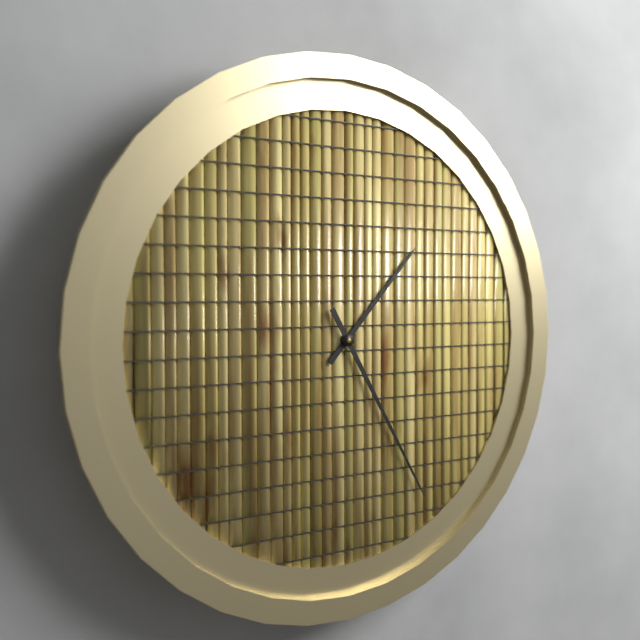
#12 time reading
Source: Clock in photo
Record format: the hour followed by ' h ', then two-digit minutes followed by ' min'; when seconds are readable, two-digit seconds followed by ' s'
1 h 25 min
